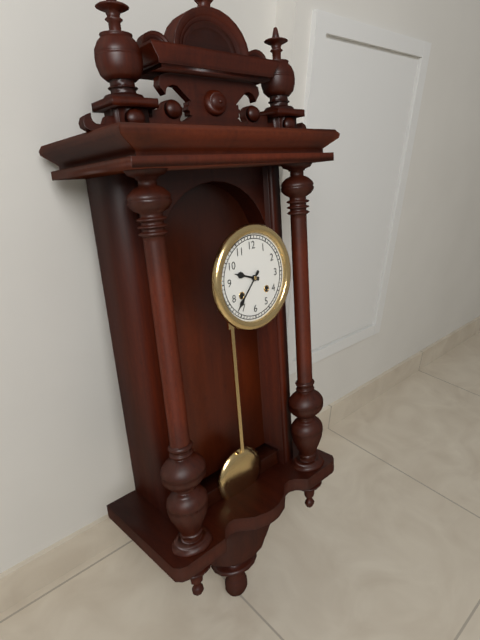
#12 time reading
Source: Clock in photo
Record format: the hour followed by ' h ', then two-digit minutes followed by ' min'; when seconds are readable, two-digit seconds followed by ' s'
9 h 37 min
